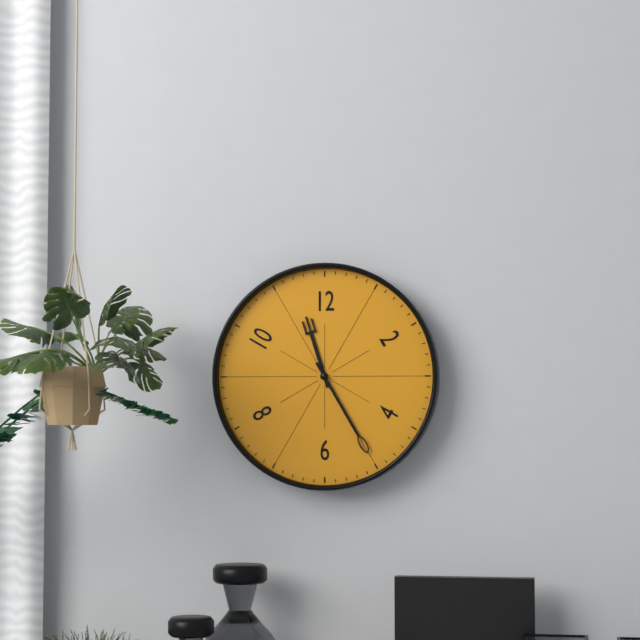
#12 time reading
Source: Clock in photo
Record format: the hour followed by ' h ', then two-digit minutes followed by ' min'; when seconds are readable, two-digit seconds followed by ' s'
11 h 25 min
